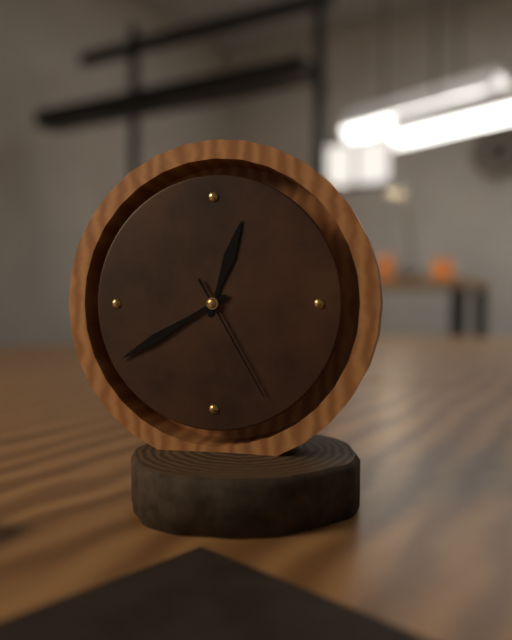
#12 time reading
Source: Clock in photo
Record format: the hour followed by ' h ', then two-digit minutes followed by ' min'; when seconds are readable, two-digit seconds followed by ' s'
12 h 40 min 25 s
